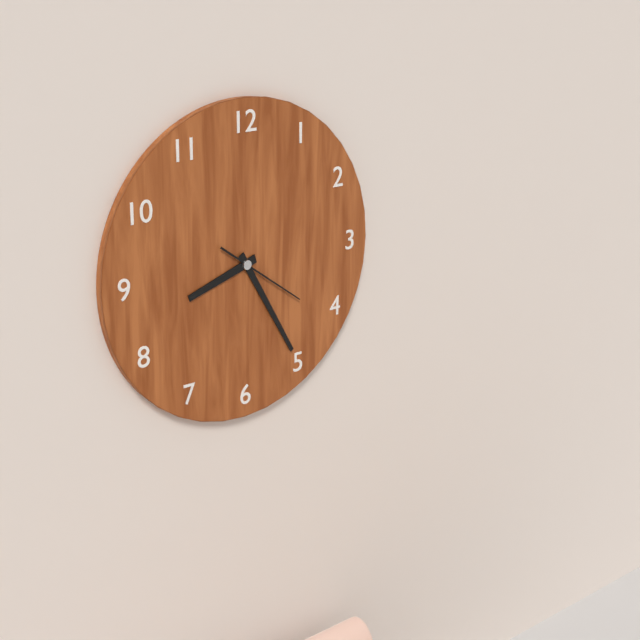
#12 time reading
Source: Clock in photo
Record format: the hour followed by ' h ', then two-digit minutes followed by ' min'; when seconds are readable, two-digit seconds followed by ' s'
8 h 25 min 21 s
